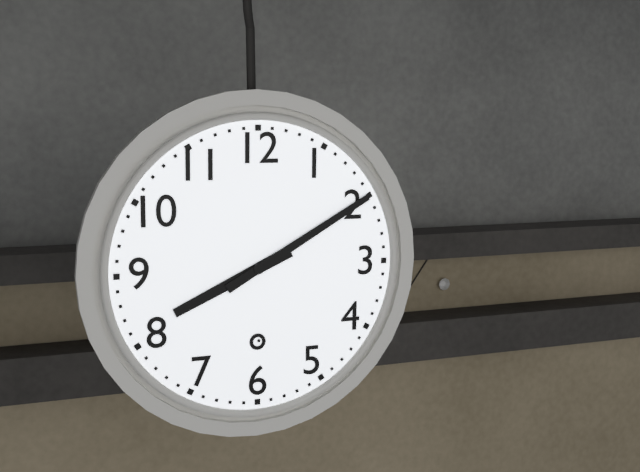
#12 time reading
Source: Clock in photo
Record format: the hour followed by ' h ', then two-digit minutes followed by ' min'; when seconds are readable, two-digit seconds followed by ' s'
8 h 10 min
